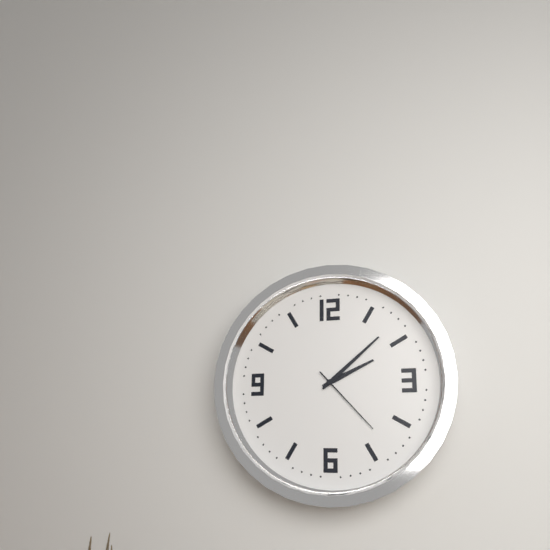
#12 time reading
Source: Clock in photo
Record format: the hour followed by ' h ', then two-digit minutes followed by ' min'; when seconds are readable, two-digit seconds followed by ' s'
2 h 08 min 23 s
